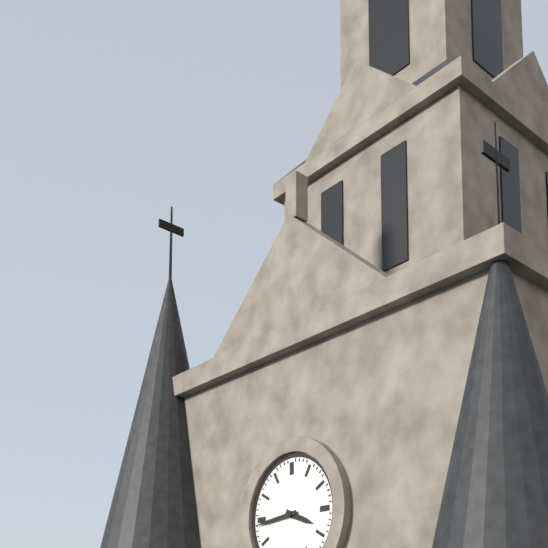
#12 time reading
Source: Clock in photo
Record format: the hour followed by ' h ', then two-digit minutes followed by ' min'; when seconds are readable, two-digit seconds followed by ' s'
3 h 44 min
